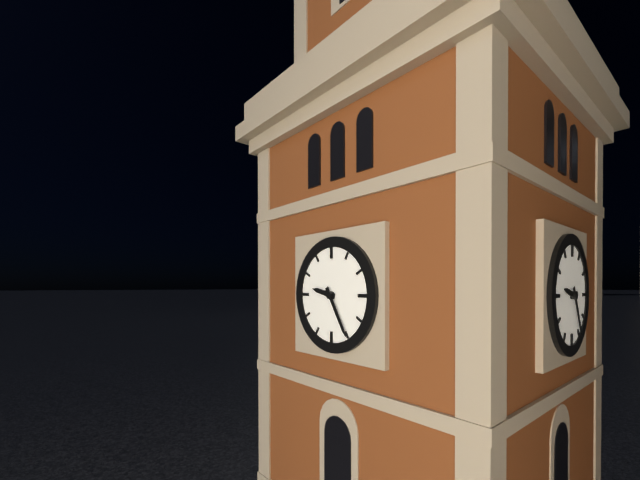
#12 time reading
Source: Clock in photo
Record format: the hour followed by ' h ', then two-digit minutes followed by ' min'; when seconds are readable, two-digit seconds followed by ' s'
9 h 25 min
